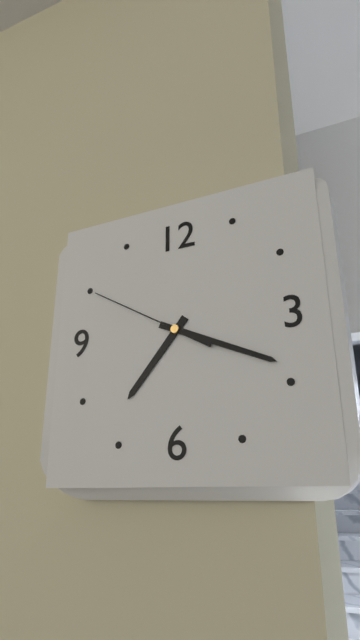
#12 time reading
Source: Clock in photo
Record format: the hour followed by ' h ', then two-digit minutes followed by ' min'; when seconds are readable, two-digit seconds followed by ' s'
7 h 19 min 50 s
